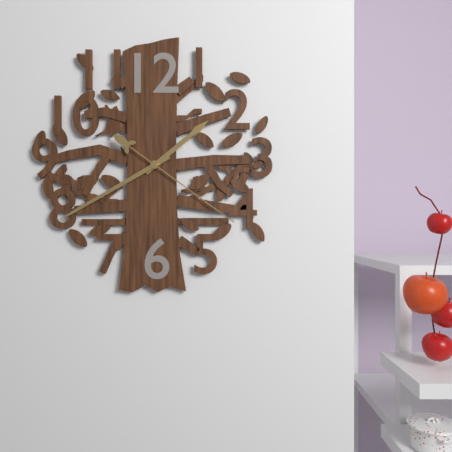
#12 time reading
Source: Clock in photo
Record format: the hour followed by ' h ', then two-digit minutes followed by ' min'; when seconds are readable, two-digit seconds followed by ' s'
1 h 40 min 21 s
